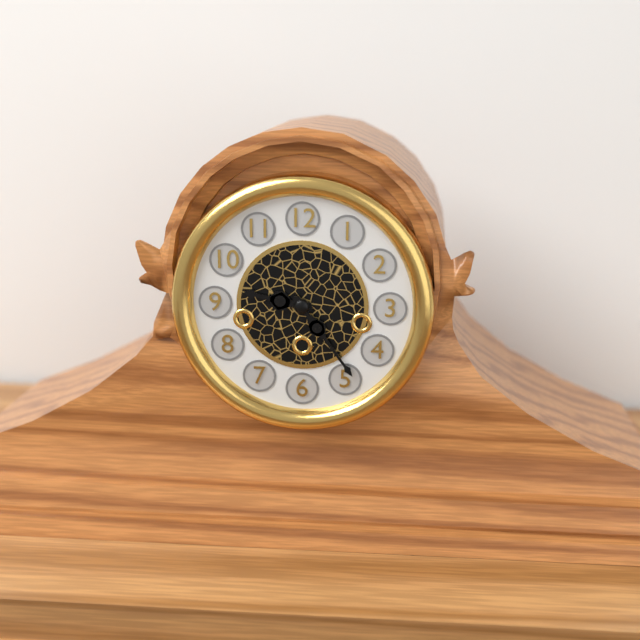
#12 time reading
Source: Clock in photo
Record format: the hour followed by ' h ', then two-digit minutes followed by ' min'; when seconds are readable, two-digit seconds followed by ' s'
9 h 24 min
